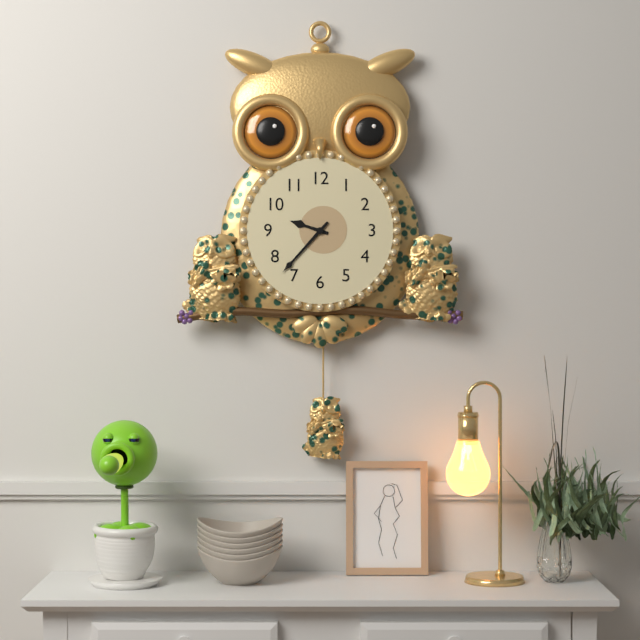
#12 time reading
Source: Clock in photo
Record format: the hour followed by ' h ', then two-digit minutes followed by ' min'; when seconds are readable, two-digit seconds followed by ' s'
9 h 37 min
